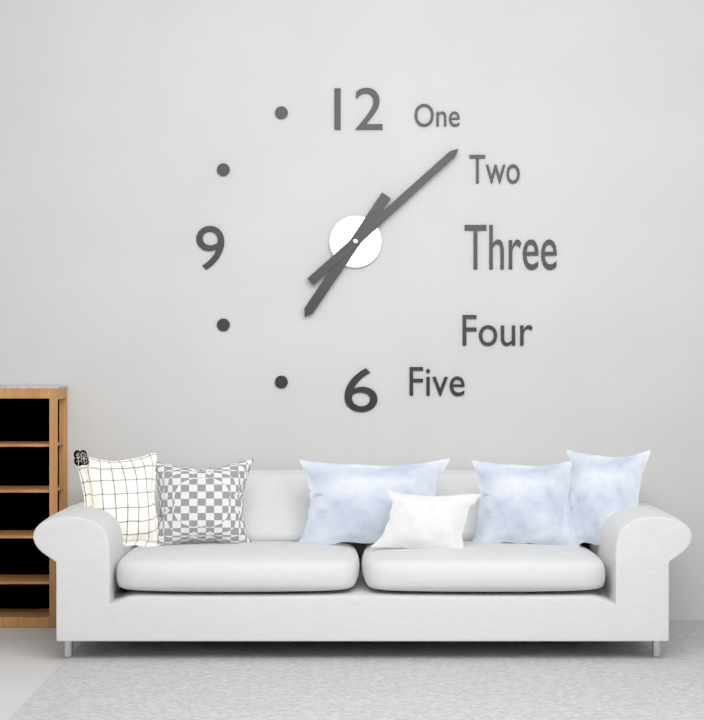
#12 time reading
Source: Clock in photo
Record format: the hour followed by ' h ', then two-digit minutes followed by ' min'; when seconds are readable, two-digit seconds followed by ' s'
7 h 08 min
